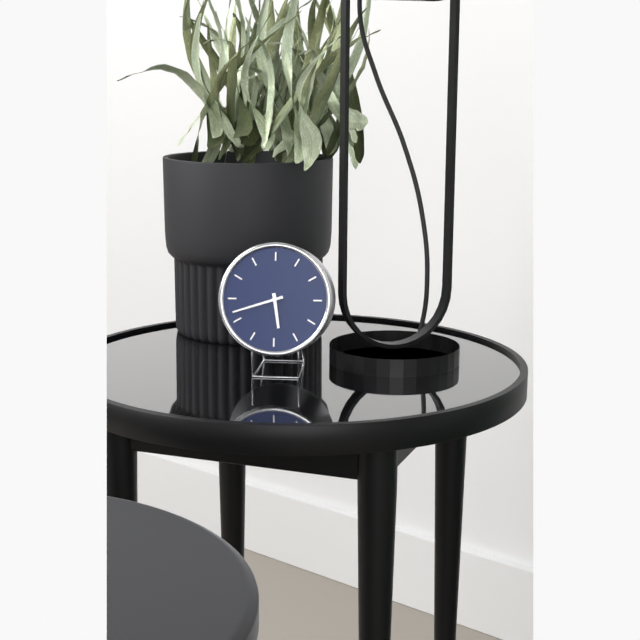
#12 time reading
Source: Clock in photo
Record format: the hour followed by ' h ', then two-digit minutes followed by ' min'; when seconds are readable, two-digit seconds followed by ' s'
5 h 42 min
